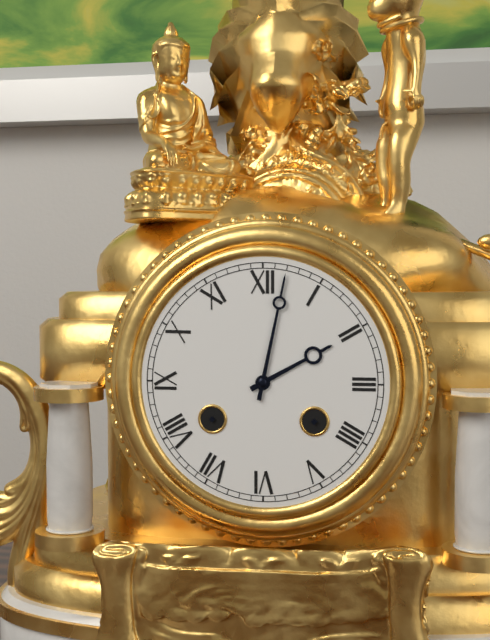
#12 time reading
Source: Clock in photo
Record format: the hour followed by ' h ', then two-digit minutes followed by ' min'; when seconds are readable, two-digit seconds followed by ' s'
2 h 02 min
